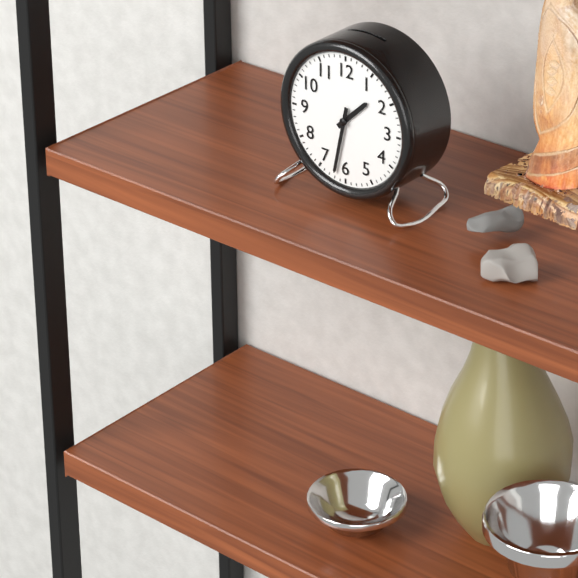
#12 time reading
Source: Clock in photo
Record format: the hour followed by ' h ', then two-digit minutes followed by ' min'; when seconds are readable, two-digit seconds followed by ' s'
1 h 32 min
